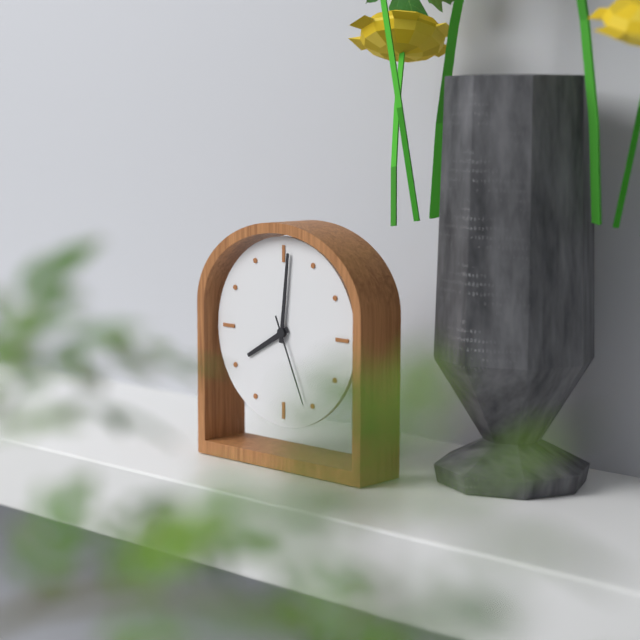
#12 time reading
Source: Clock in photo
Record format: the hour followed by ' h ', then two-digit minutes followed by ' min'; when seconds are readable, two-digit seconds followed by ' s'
8 h 01 min 26 s
